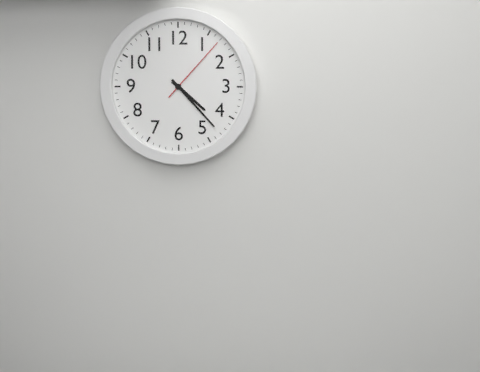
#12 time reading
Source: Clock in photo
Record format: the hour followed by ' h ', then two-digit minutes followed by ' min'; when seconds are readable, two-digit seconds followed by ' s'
4 h 23 min 07 s
